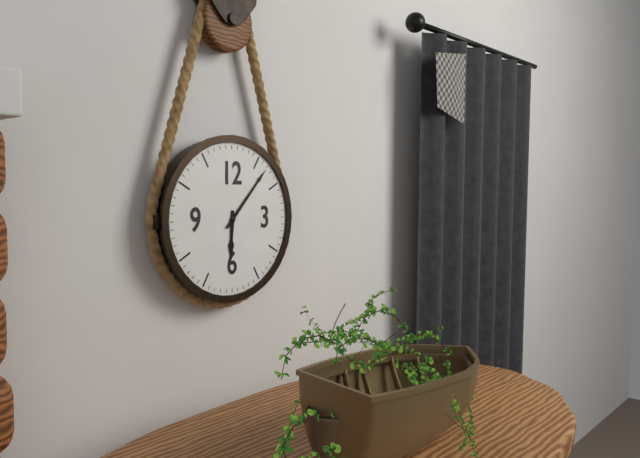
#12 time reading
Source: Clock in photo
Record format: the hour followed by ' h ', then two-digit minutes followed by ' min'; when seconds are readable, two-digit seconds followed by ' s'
6 h 07 min
